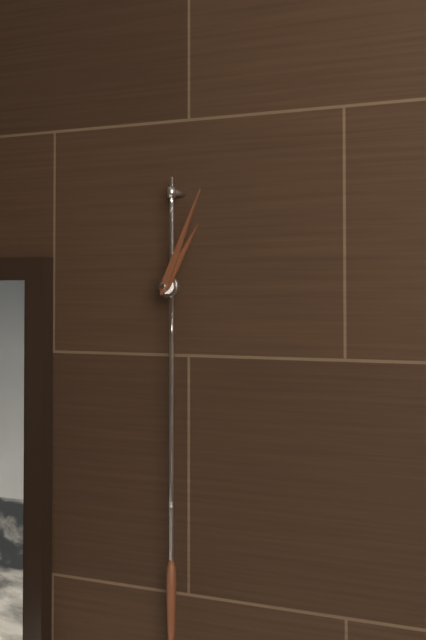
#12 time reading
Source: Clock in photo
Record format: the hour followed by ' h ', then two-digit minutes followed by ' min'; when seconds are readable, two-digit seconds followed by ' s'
1 h 04 min
